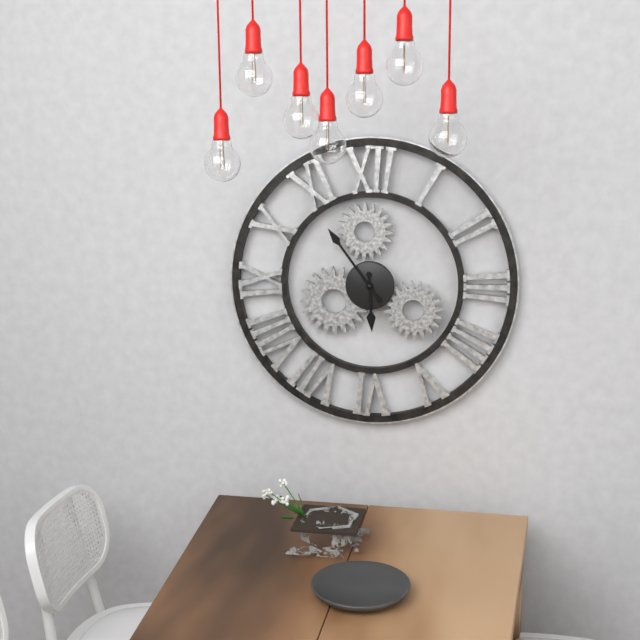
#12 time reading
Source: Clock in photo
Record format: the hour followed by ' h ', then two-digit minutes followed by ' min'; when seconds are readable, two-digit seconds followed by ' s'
5 h 54 min
